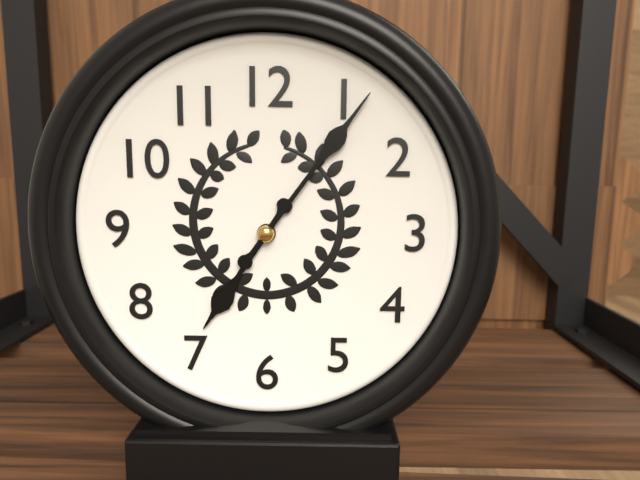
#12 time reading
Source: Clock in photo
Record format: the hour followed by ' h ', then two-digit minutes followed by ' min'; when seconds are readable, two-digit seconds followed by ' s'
7 h 06 min
